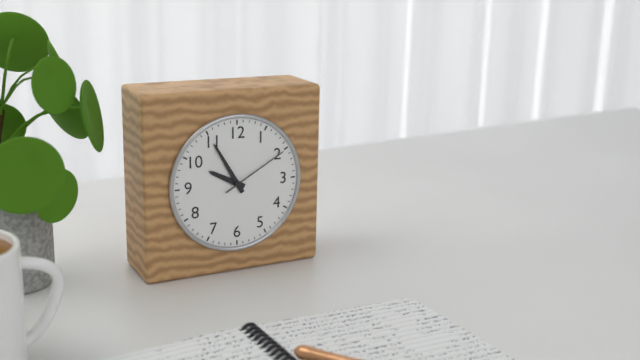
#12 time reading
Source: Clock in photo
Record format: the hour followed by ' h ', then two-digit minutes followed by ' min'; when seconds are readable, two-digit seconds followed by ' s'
9 h 55 min 10 s
